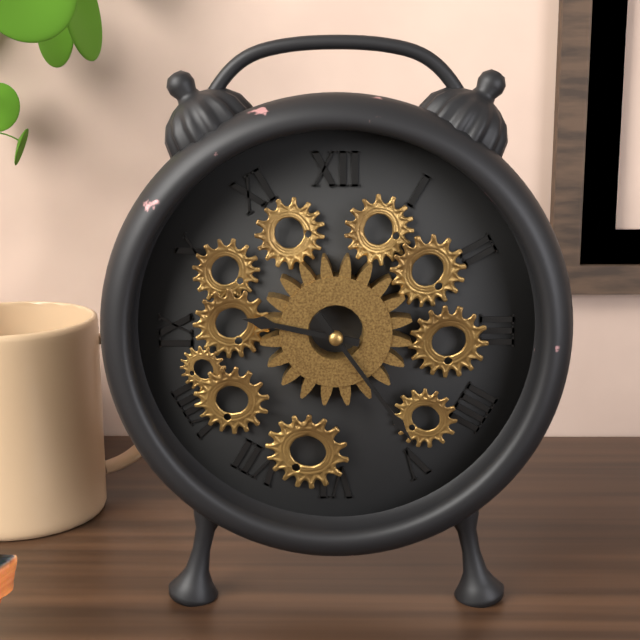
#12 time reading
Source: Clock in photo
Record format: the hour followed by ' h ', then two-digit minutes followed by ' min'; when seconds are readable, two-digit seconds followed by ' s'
9 h 24 min
